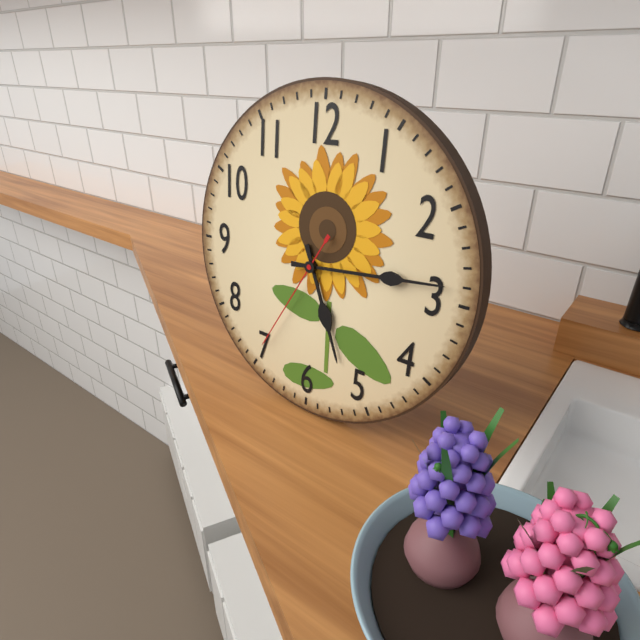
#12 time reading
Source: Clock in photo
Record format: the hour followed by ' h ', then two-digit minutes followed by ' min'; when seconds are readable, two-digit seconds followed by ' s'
5 h 14 min 35 s
